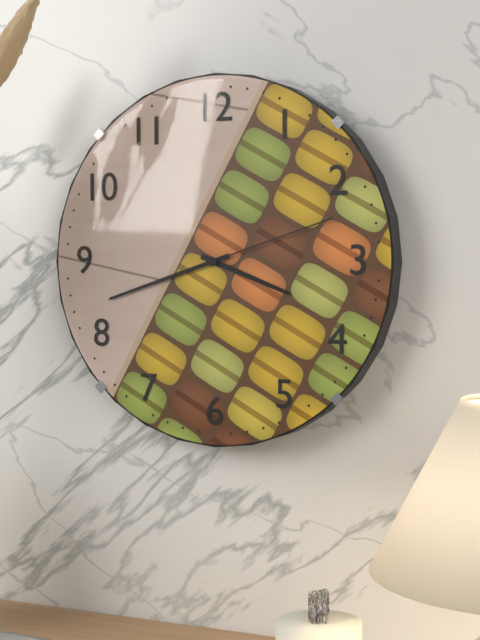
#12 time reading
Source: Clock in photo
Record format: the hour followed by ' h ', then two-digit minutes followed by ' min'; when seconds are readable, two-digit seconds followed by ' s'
3 h 42 min 12 s
